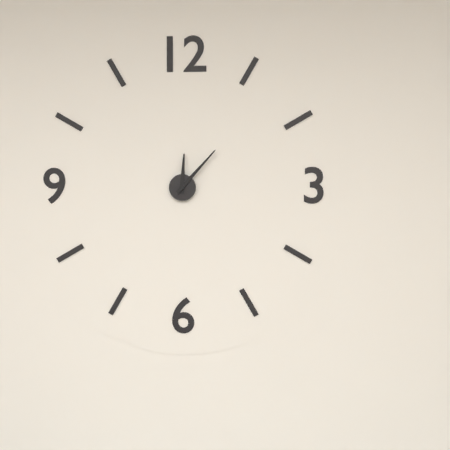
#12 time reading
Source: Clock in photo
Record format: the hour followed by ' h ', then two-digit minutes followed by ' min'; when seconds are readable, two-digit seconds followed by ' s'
12 h 07 min
